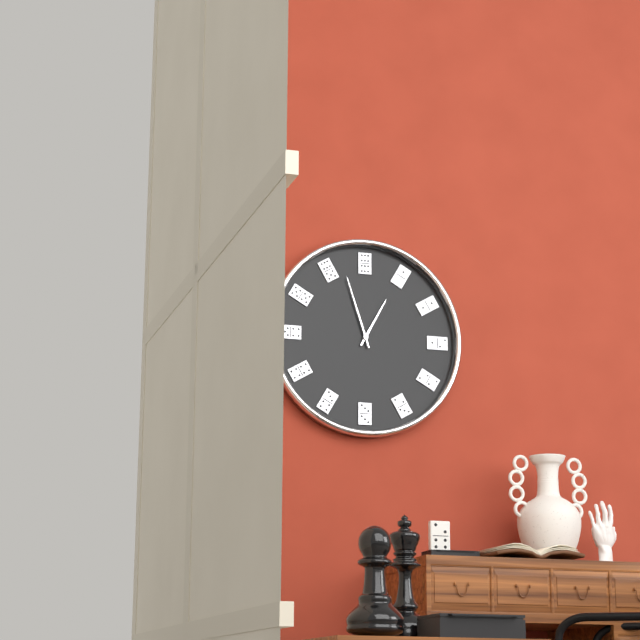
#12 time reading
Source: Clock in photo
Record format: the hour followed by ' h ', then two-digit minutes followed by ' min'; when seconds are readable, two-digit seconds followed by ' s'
12 h 57 min
